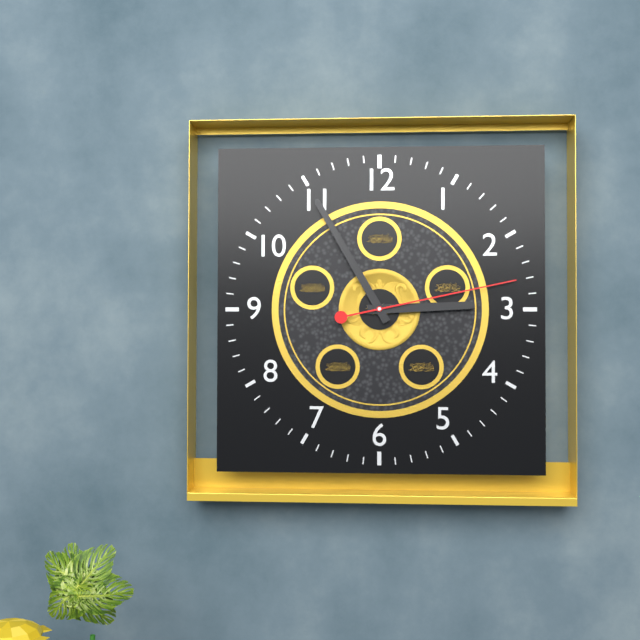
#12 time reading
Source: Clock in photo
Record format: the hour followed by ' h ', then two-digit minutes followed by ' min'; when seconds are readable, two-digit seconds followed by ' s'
2 h 55 min 13 s
